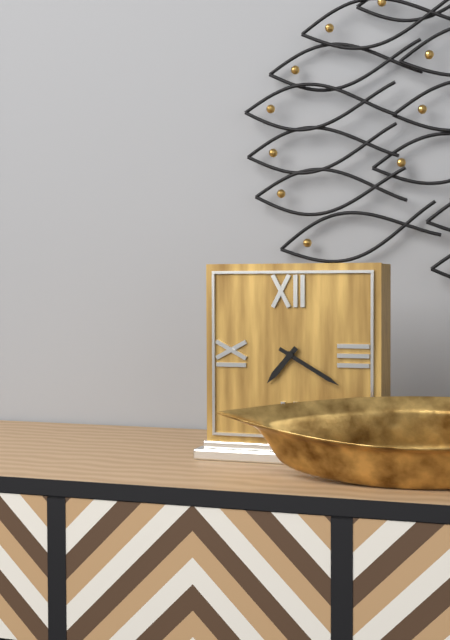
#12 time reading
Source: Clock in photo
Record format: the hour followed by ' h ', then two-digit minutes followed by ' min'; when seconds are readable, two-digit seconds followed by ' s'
7 h 20 min
